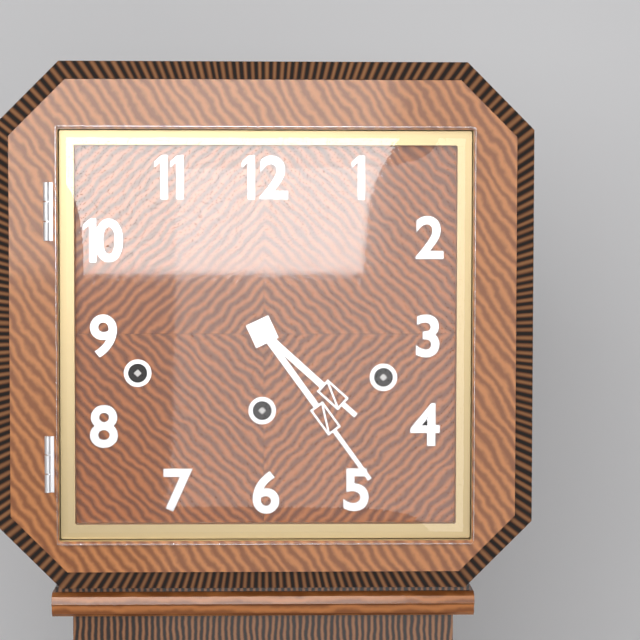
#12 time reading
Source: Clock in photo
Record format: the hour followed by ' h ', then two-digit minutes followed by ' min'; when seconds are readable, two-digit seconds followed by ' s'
4 h 24 min
